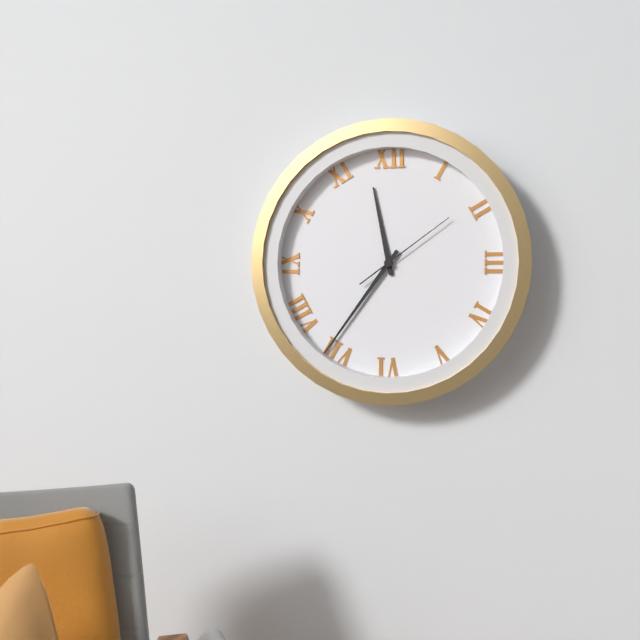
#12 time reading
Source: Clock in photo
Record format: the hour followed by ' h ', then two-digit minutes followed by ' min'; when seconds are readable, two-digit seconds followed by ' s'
11 h 36 min 09 s
